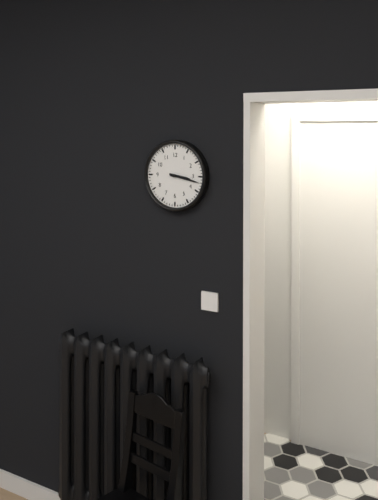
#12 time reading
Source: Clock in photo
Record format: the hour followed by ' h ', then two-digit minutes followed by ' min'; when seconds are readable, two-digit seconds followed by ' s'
3 h 17 min
